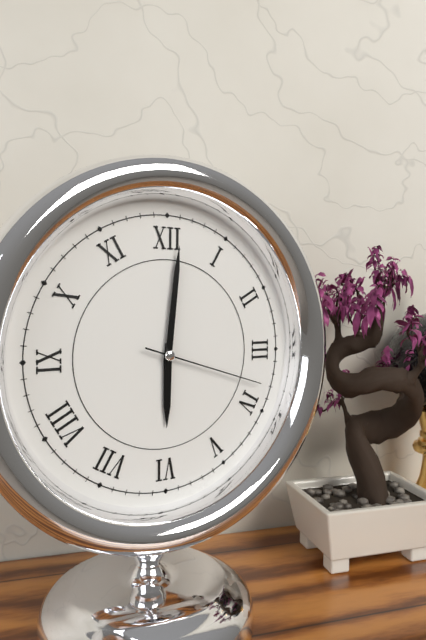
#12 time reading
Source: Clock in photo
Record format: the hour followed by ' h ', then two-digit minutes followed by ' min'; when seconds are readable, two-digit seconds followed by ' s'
6 h 01 min 18 s
